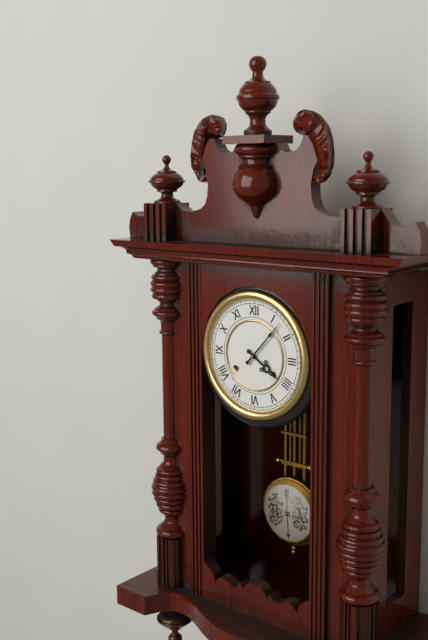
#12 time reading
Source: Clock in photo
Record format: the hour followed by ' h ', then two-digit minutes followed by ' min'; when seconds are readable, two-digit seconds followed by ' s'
4 h 07 min
